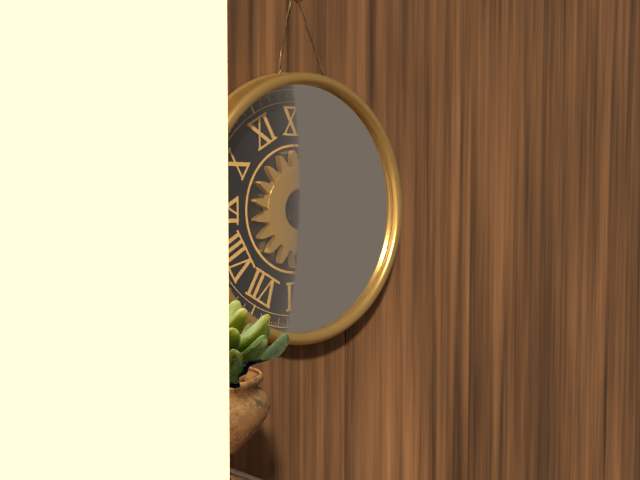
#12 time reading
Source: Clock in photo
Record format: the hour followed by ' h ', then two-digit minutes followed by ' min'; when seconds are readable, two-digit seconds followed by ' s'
6 h 11 min
